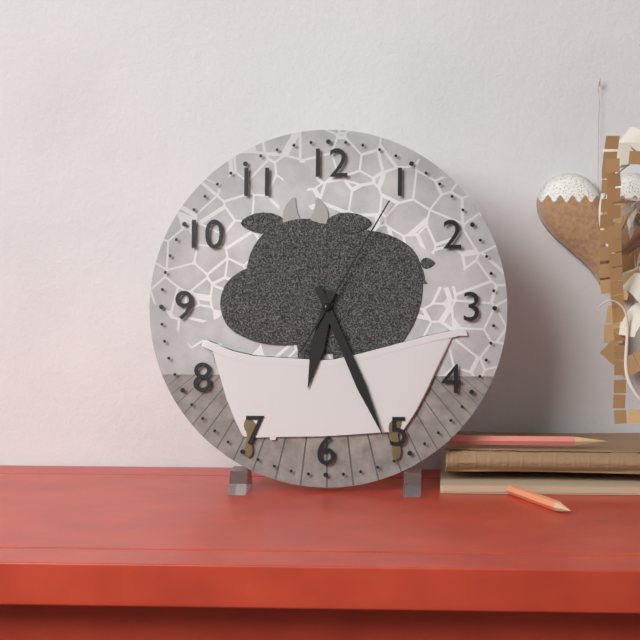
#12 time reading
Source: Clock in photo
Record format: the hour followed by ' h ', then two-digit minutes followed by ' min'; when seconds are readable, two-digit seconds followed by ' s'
6 h 26 min 05 s
